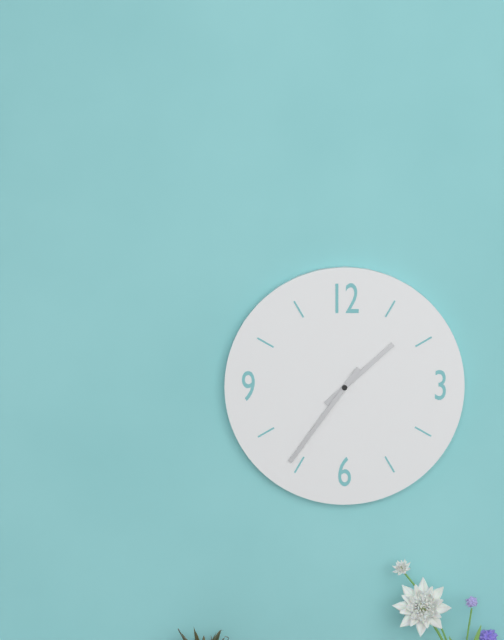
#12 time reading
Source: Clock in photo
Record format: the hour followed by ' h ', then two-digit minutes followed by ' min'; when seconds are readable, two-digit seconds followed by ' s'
1 h 36 min
